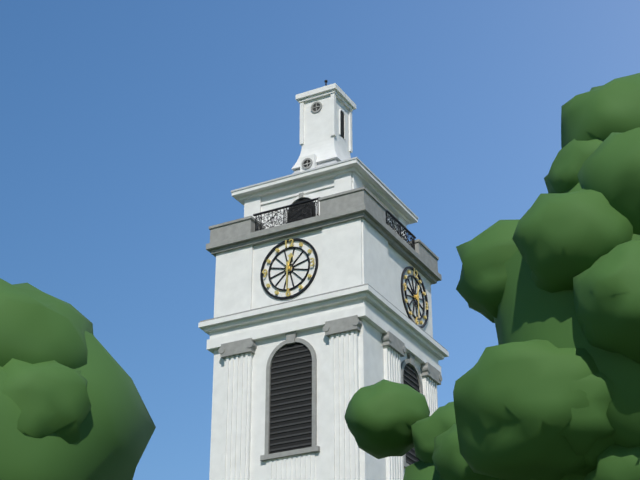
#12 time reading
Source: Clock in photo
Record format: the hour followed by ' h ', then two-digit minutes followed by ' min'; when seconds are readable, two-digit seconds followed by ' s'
12 h 30 min
